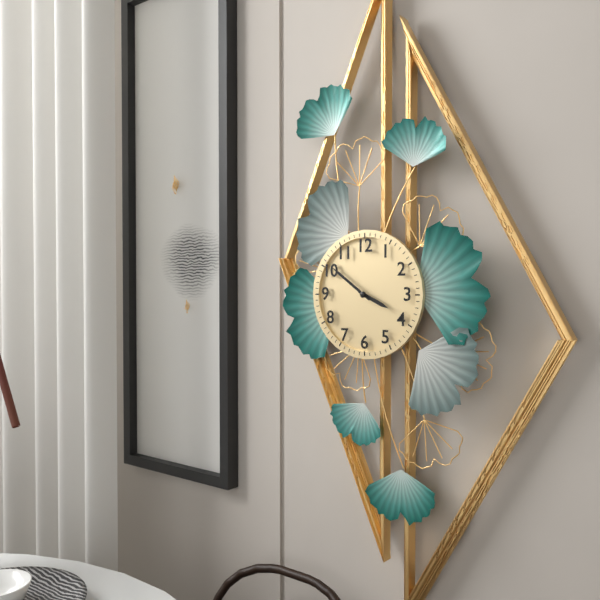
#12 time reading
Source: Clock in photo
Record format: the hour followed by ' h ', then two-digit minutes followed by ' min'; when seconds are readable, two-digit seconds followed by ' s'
3 h 51 min
